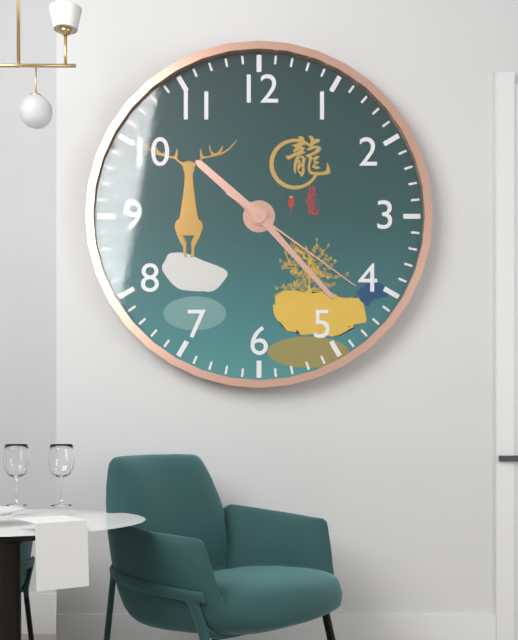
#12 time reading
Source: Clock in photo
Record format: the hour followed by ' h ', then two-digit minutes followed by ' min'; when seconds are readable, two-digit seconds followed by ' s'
10 h 23 min 21 s
